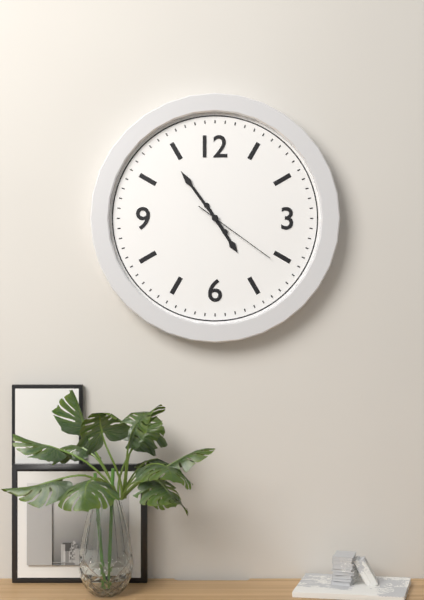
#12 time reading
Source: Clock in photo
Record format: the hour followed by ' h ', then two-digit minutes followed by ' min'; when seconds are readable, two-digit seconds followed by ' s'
4 h 54 min 21 s
